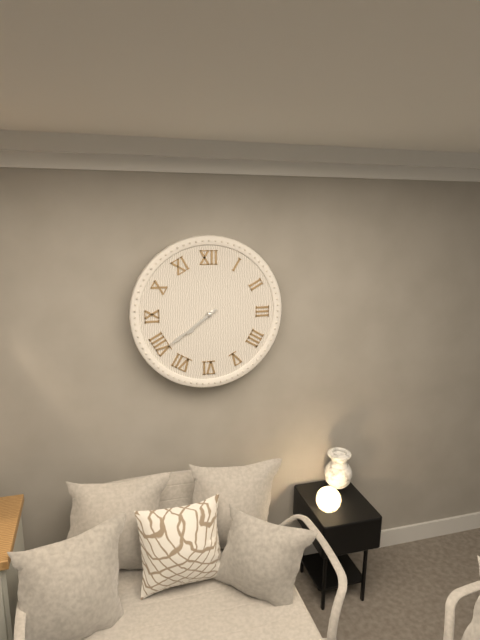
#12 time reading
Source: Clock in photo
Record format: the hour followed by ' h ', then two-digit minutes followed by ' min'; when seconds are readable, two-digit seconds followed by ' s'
7 h 39 min
